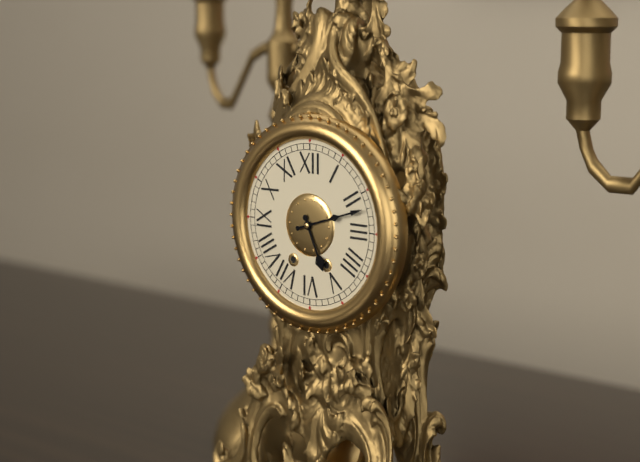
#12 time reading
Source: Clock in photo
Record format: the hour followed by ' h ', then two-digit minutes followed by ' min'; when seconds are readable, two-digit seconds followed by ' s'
5 h 12 min
